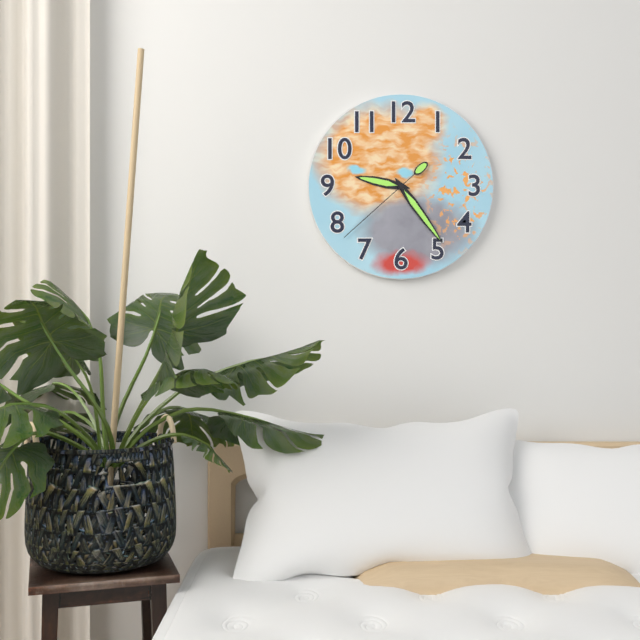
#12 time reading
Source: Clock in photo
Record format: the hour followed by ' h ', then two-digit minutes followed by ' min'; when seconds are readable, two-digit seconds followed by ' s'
9 h 24 min 38 s
